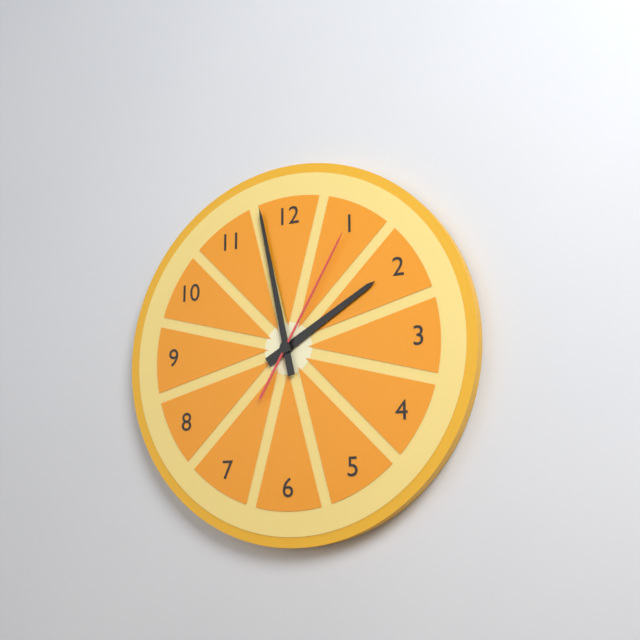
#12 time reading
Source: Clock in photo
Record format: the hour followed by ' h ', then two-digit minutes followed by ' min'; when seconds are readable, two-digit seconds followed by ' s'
1 h 58 min 05 s
